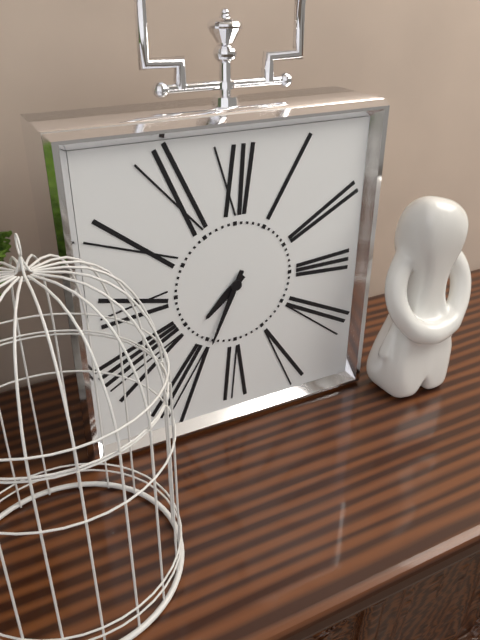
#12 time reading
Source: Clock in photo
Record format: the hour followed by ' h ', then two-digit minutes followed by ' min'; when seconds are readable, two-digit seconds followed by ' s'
7 h 34 min
